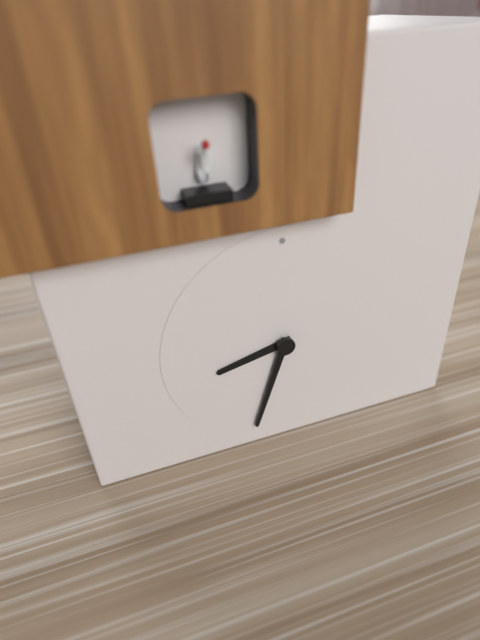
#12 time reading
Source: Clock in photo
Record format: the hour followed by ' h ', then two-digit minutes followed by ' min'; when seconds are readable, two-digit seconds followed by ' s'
8 h 33 min
